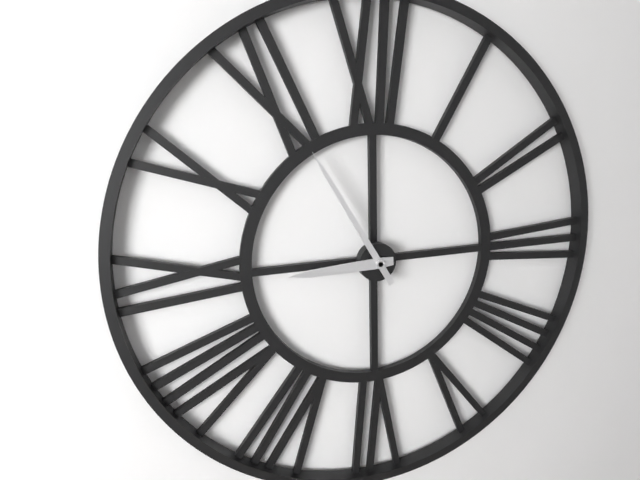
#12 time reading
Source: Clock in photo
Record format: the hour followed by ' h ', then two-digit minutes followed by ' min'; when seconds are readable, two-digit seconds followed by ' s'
8 h 55 min
